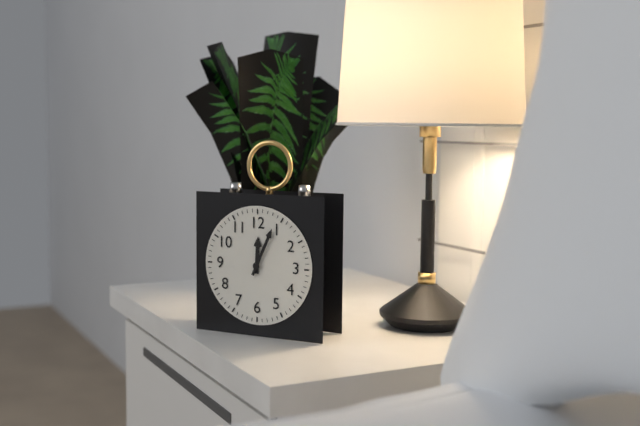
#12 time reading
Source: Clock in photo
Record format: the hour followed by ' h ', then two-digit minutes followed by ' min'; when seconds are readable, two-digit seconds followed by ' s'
12 h 04 min
